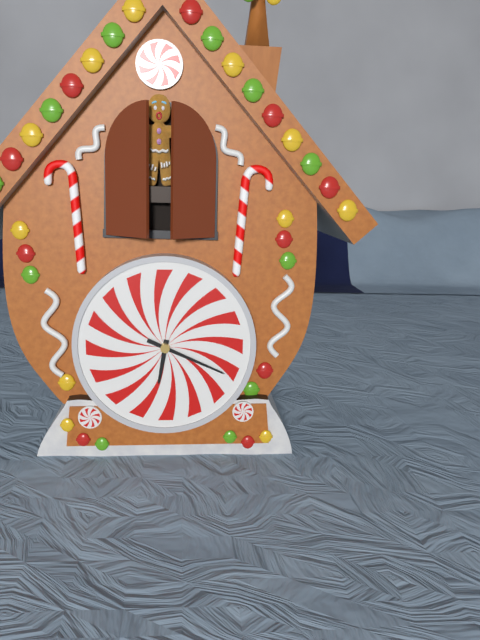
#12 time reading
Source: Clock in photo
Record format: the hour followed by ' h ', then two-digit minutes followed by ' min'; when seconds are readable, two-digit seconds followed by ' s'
6 h 19 min
